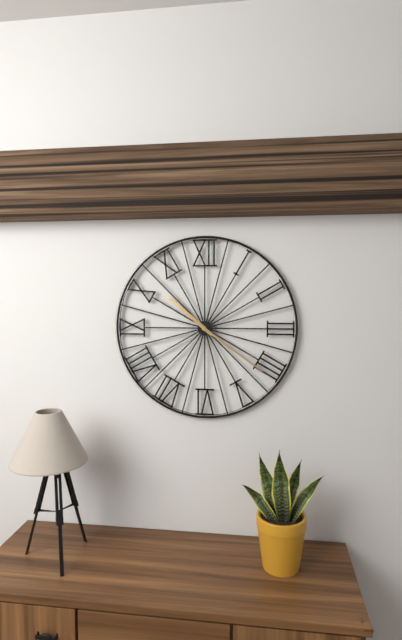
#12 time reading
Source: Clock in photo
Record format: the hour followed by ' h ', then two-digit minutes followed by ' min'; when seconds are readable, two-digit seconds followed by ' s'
10 h 21 min
